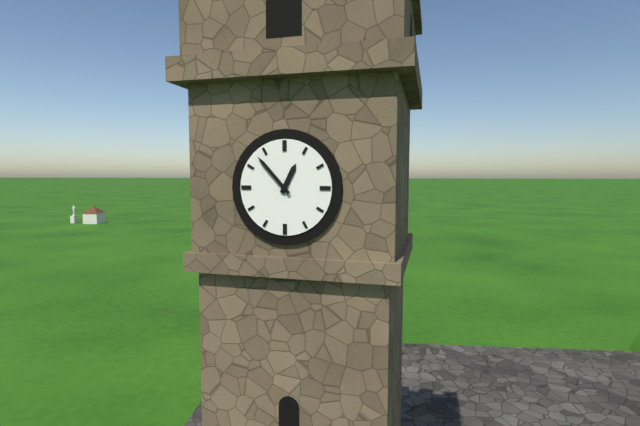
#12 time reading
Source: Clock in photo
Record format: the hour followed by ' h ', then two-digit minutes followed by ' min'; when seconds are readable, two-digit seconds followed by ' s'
12 h 53 min
